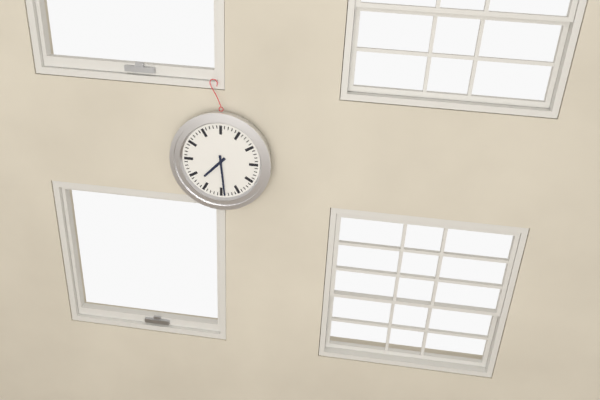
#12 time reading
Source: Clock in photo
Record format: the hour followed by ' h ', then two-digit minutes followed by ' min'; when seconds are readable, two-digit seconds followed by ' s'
7 h 29 min
